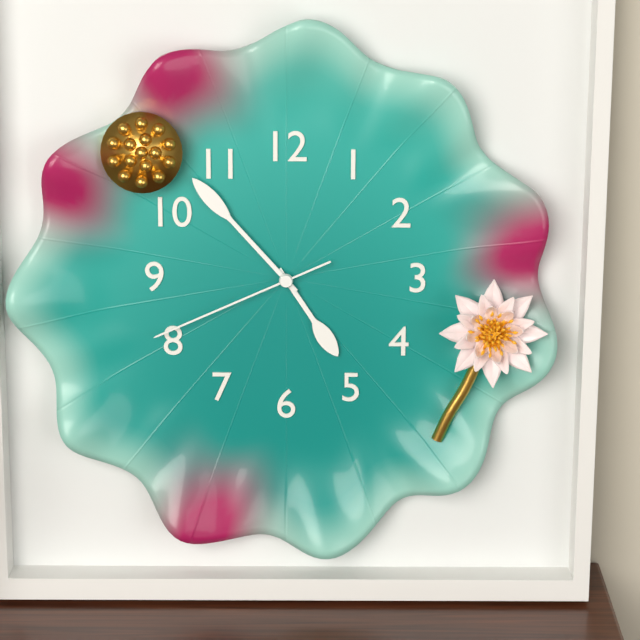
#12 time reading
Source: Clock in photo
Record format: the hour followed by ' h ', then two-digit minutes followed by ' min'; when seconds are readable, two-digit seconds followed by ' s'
4 h 53 min 41 s
